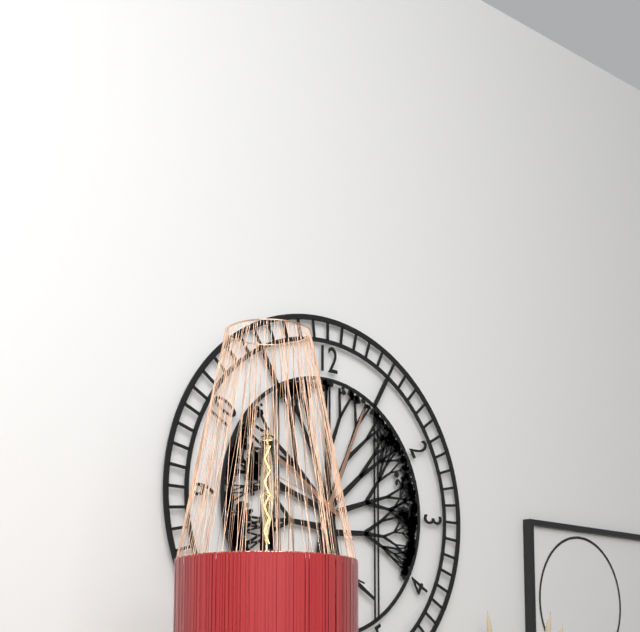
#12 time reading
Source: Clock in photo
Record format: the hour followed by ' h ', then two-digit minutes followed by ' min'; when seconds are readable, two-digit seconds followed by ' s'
10 h 04 min 48 s
